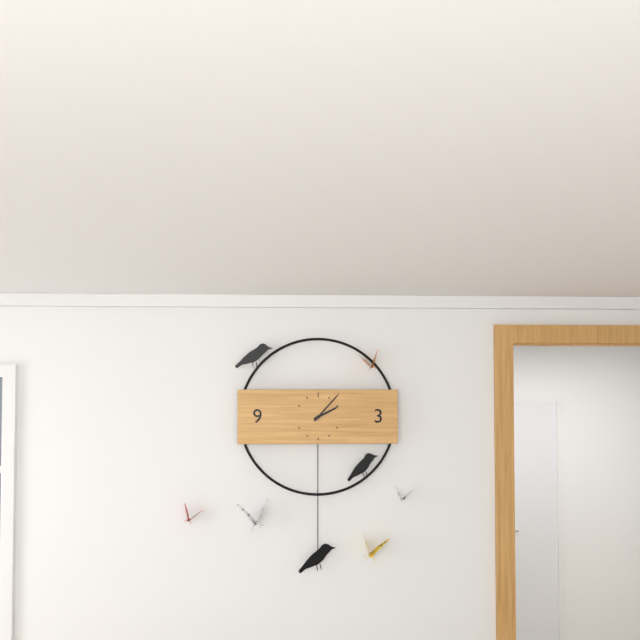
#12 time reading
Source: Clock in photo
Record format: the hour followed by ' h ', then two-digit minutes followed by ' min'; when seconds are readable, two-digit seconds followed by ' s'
2 h 07 min
